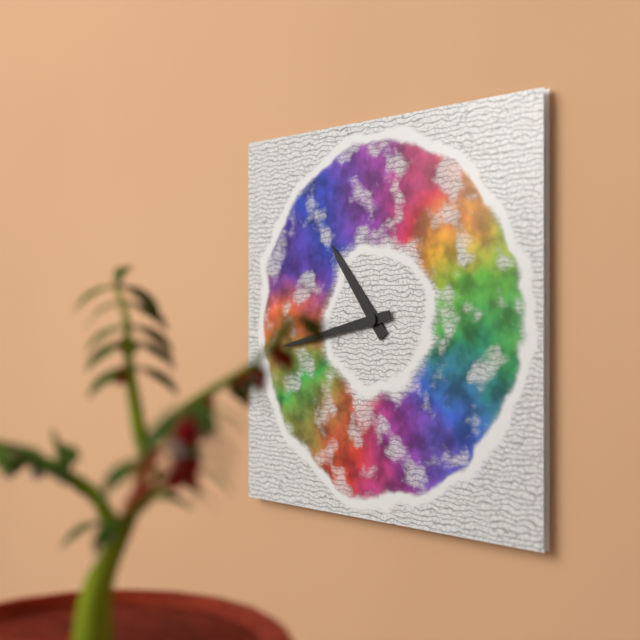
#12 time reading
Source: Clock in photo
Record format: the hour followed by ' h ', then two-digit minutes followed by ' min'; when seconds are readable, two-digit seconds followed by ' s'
10 h 43 min
